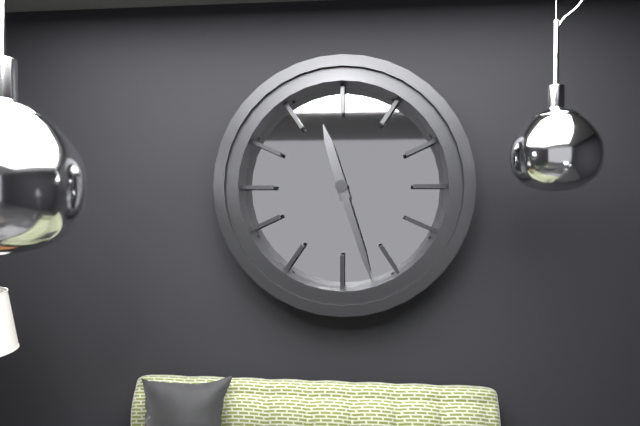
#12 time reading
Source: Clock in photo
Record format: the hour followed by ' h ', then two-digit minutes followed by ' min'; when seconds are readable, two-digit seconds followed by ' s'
11 h 27 min
